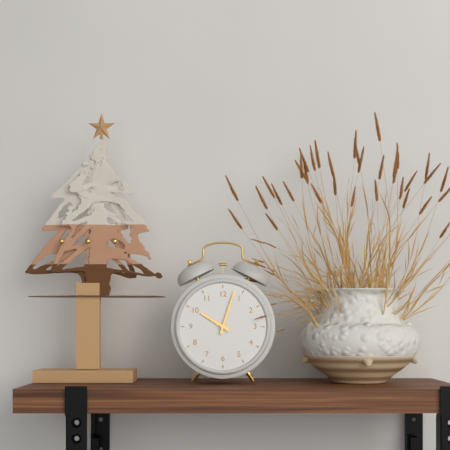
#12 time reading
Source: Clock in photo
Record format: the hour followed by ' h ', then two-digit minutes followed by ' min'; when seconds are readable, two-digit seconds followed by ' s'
10 h 03 min
